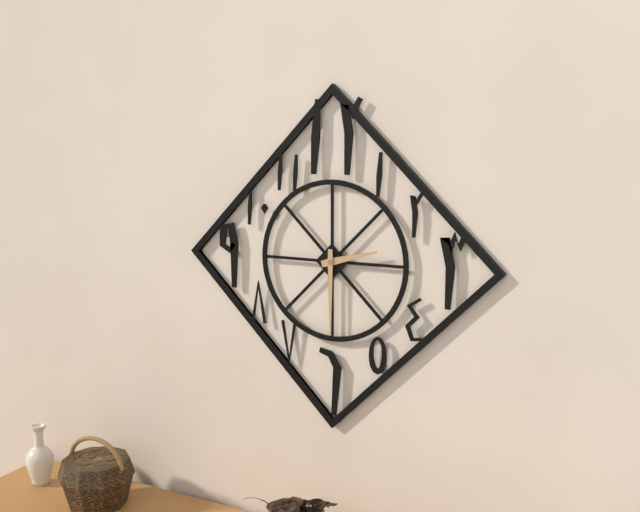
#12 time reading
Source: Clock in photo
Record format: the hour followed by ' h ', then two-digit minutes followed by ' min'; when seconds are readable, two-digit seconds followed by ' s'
2 h 30 min
